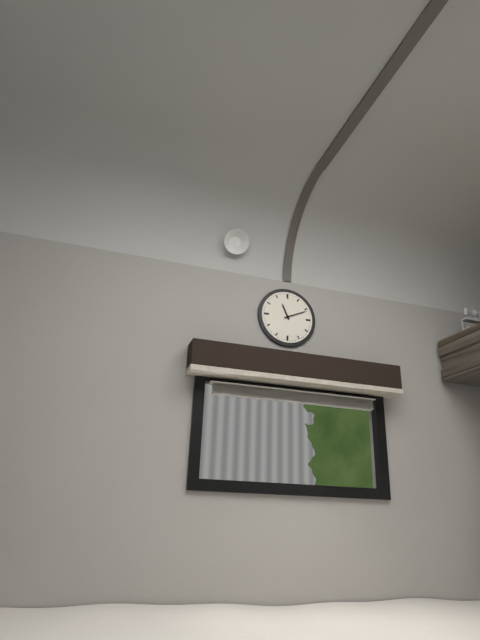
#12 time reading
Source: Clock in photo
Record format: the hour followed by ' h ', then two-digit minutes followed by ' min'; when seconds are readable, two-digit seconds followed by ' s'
11 h 11 min
